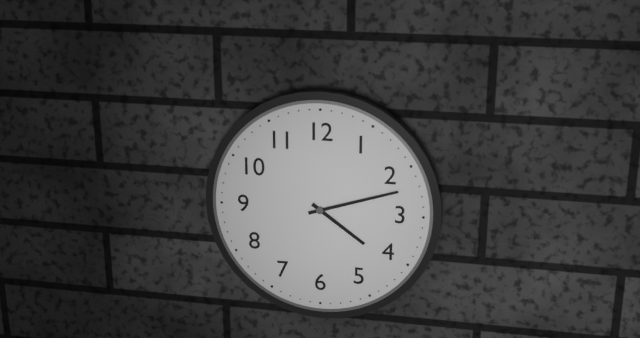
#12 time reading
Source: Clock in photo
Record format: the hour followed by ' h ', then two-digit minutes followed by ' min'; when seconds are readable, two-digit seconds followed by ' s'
4 h 12 min
